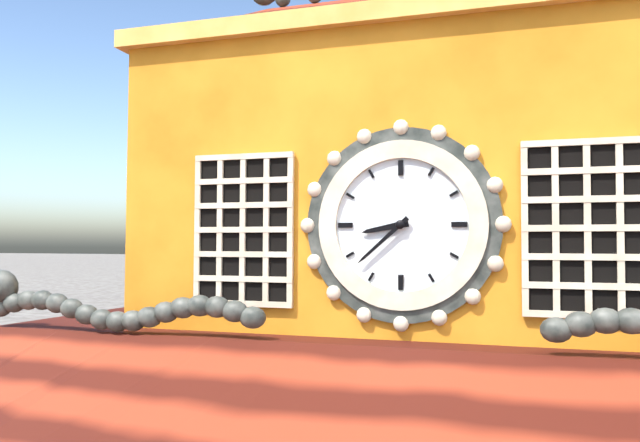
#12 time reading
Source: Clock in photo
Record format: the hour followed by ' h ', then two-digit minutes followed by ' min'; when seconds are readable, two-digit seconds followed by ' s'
8 h 38 min
